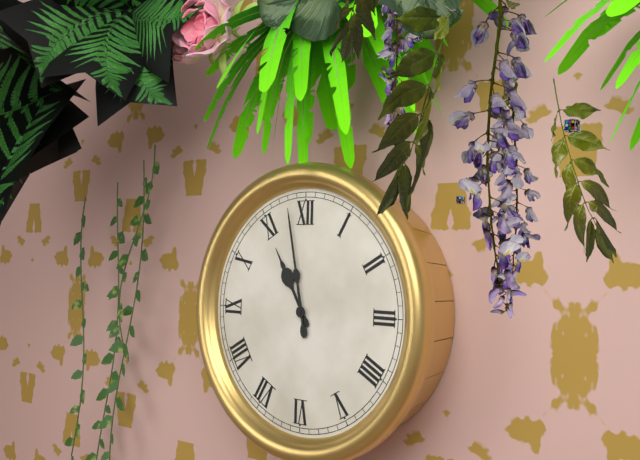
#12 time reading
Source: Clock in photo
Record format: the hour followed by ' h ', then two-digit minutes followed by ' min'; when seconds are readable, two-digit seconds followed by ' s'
10 h 58 min
